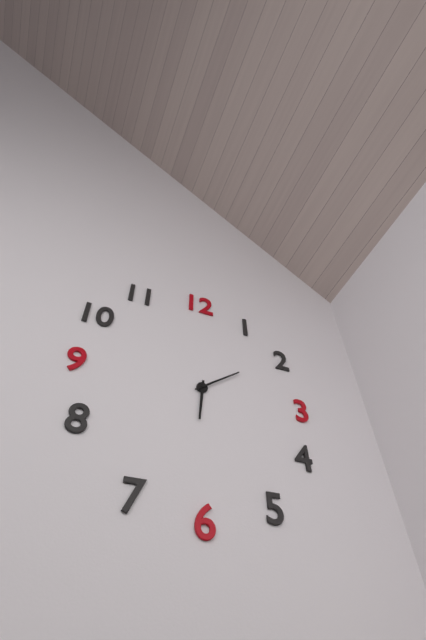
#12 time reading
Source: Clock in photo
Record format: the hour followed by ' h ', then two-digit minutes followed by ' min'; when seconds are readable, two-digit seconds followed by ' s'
6 h 09 min
